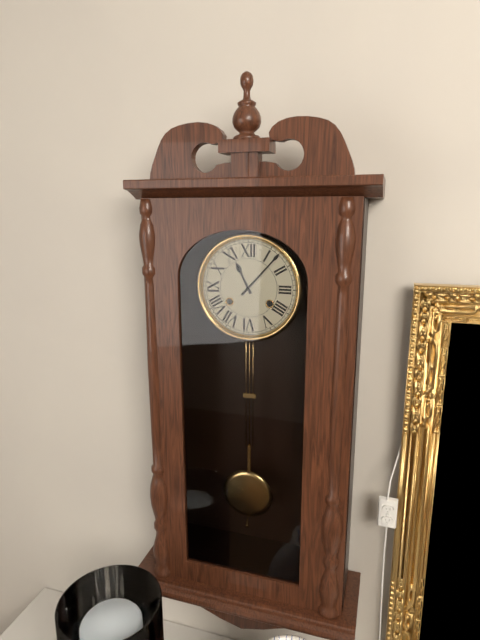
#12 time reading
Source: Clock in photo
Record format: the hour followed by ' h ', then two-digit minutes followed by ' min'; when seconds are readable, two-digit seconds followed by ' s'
11 h 07 min
